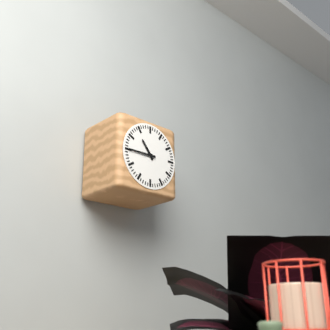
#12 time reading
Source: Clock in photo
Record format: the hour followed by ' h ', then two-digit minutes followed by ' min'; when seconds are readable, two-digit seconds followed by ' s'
10 h 45 min
